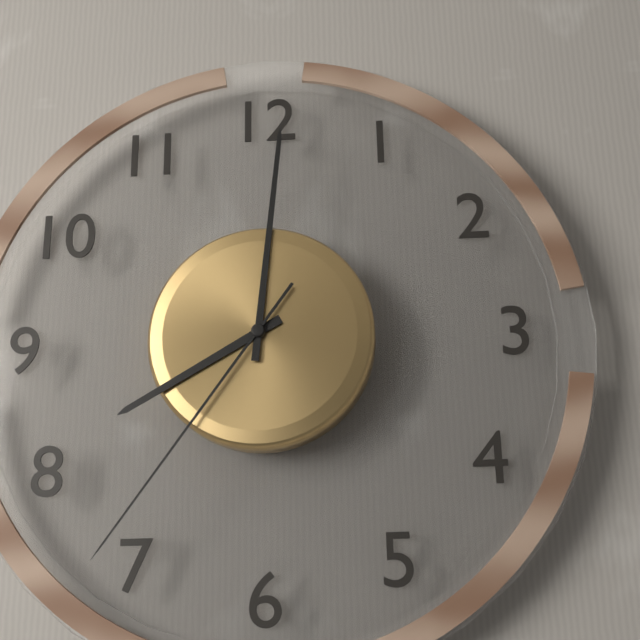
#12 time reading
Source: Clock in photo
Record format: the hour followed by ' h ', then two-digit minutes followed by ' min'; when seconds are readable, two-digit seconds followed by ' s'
8 h 01 min 36 s
